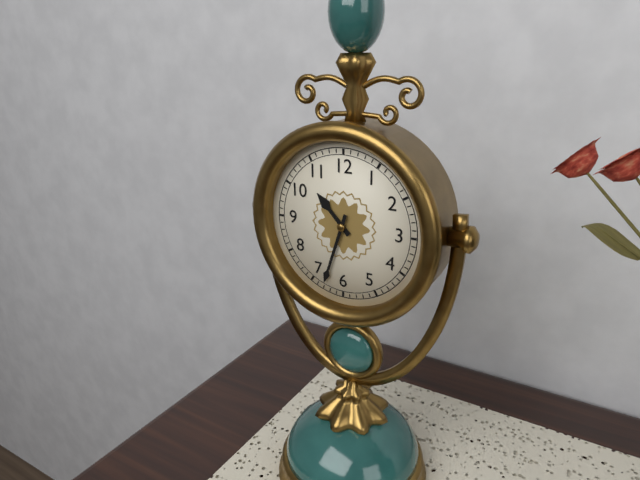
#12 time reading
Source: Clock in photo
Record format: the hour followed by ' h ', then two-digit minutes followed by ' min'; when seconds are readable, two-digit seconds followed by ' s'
10 h 33 min
